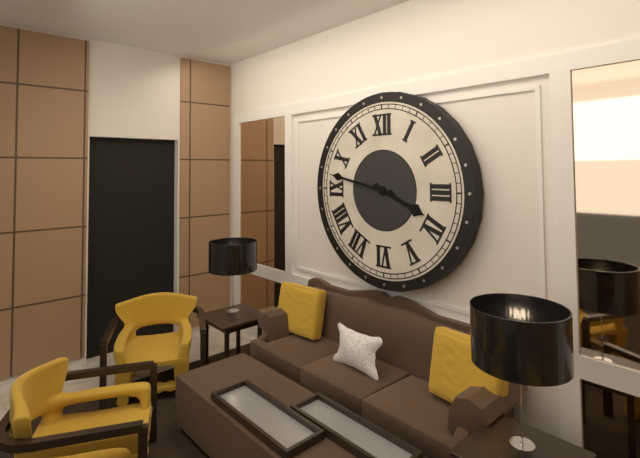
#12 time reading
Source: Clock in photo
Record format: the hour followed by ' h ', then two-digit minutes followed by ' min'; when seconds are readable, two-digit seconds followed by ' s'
3 h 47 min
